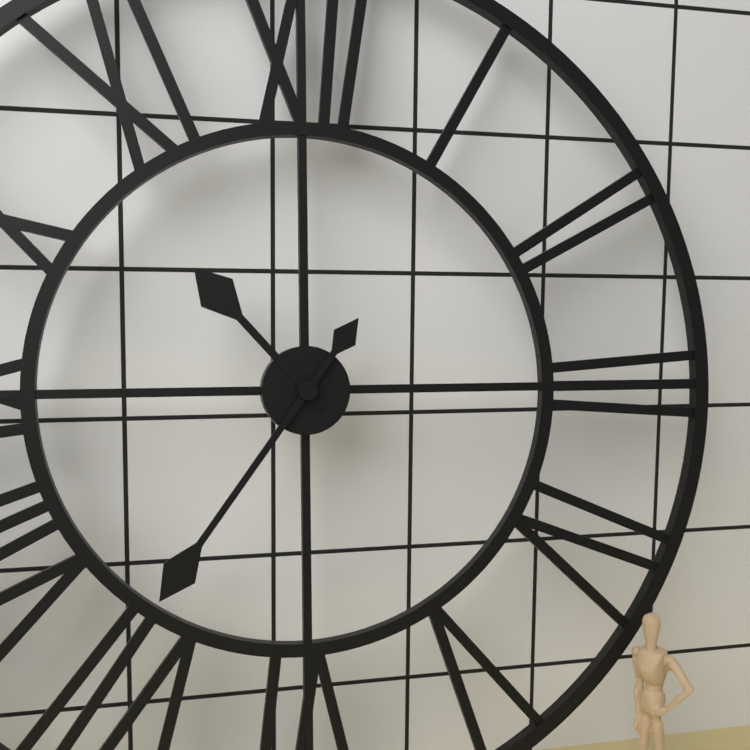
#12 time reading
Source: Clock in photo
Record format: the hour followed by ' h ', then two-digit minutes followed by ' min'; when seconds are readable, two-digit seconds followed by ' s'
10 h 36 min
